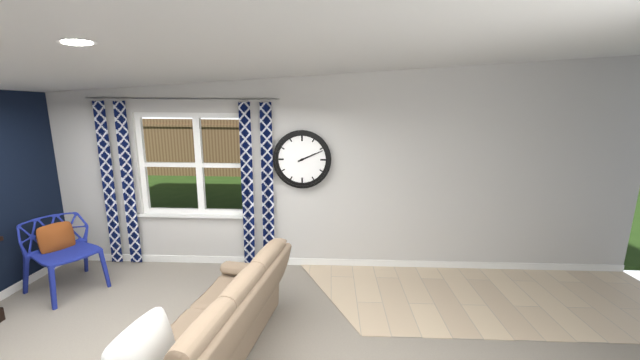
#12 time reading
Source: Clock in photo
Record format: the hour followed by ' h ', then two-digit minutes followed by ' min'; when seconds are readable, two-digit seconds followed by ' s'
2 h 11 min
